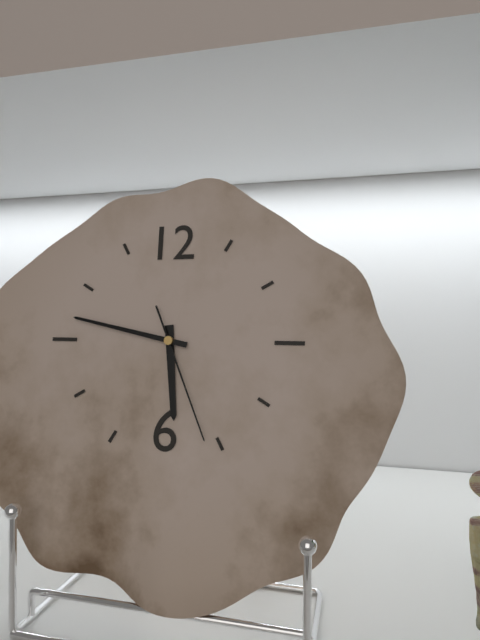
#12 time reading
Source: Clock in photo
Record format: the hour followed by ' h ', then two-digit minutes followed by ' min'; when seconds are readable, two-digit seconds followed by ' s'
5 h 47 min 26 s
